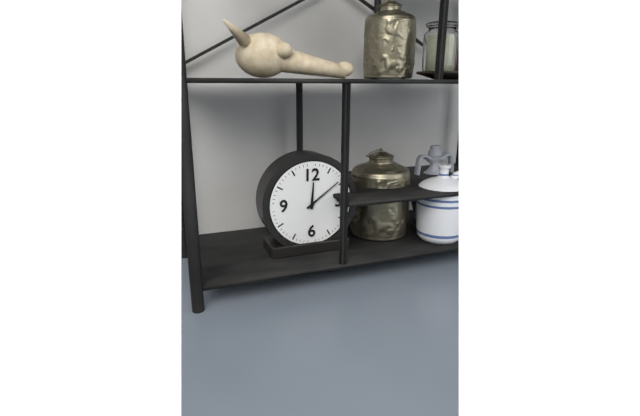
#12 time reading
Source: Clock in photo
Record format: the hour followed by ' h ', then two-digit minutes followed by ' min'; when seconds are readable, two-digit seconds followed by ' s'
12 h 09 min
